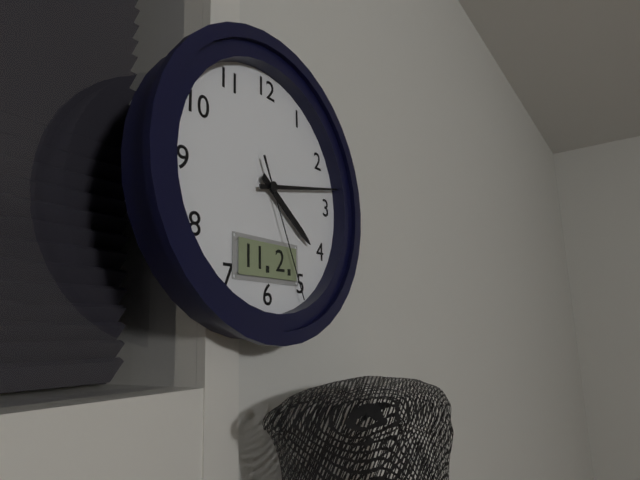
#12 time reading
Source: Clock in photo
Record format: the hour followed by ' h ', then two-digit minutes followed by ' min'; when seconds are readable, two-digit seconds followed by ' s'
4 h 13 min 26 s
